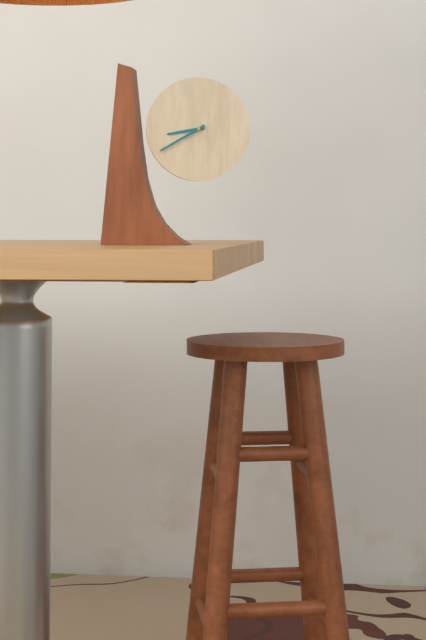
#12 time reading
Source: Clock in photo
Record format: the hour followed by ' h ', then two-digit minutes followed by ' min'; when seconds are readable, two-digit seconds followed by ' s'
8 h 40 min
